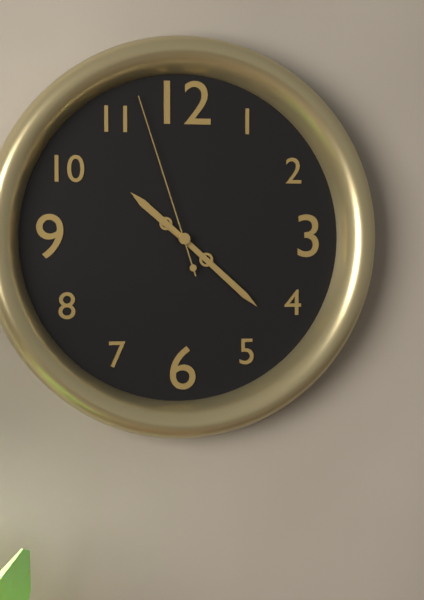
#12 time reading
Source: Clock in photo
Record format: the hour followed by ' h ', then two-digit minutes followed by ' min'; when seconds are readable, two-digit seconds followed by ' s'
10 h 22 min 57 s
